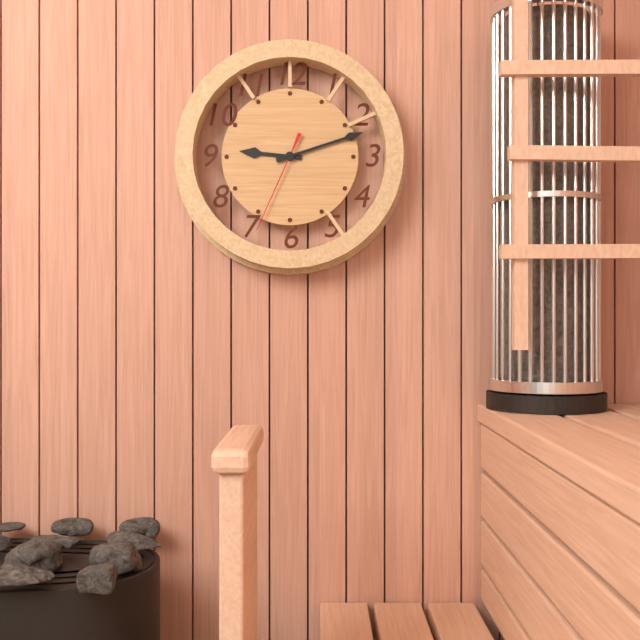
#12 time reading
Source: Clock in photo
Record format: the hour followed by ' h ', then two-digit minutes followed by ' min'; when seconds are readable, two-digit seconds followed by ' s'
9 h 12 min 34 s
